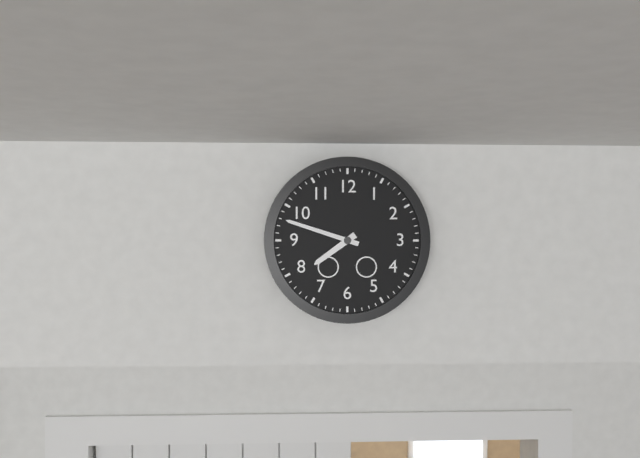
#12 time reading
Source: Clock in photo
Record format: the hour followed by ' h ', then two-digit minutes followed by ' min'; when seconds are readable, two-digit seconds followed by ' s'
7 h 48 min
